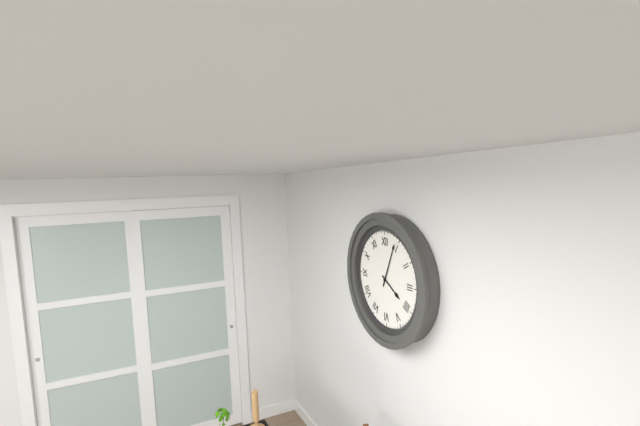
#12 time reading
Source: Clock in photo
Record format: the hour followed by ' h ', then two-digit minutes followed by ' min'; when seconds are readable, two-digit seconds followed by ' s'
4 h 04 min
